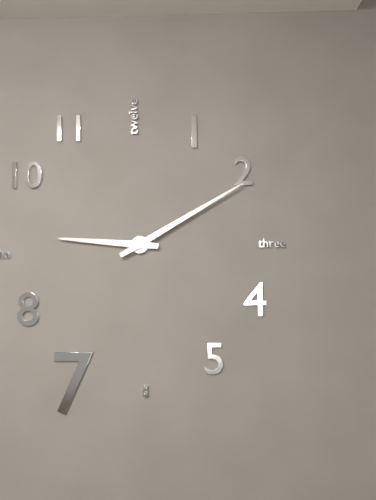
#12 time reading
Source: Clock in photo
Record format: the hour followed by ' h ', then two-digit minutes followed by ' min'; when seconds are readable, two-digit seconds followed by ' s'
9 h 10 min
